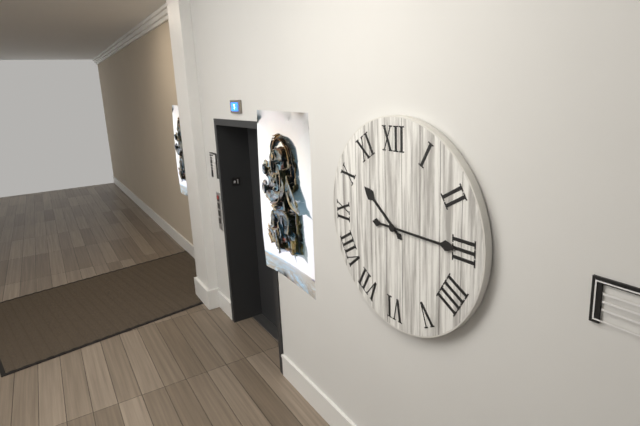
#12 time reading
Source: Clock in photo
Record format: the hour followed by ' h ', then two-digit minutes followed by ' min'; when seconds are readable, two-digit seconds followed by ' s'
10 h 15 min
